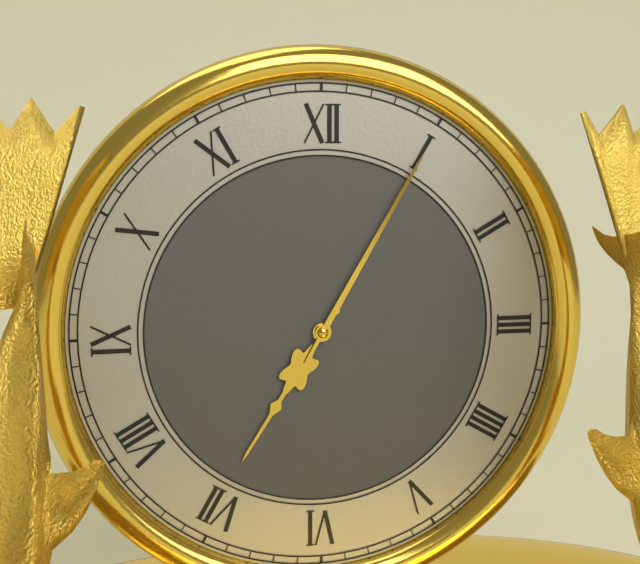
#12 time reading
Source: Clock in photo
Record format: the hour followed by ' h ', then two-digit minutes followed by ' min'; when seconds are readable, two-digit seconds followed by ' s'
7 h 05 min
